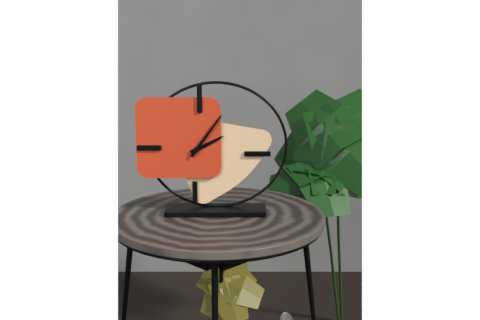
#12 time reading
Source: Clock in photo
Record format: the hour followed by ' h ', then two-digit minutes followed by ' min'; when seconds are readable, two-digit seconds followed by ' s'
2 h 06 min
